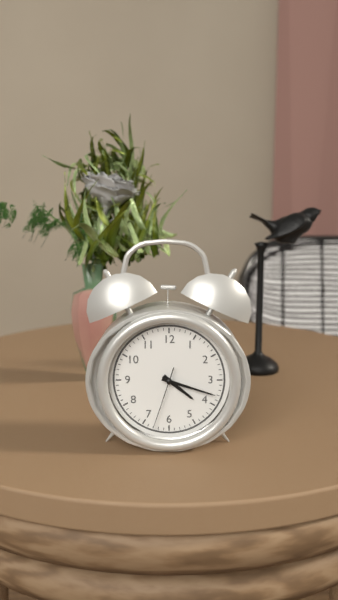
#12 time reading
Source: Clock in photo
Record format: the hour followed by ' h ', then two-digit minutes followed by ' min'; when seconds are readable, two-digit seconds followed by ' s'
4 h 18 min 33 s
